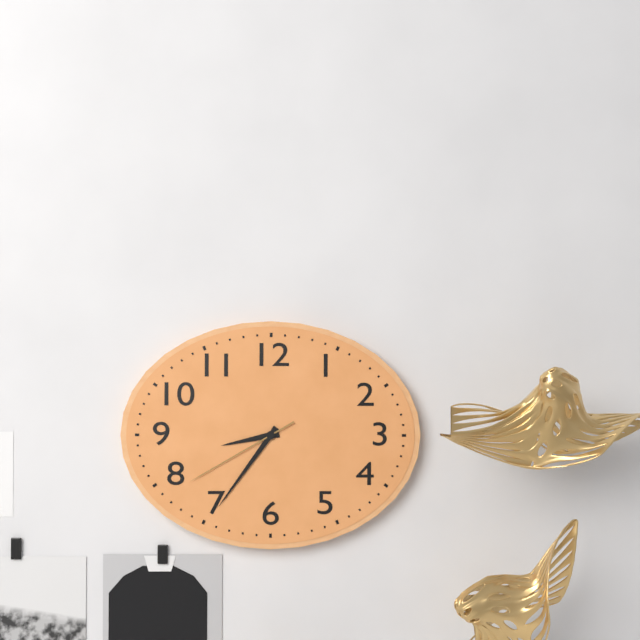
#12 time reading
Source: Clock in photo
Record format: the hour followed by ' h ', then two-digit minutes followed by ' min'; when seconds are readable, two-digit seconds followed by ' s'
8 h 36 min 40 s
